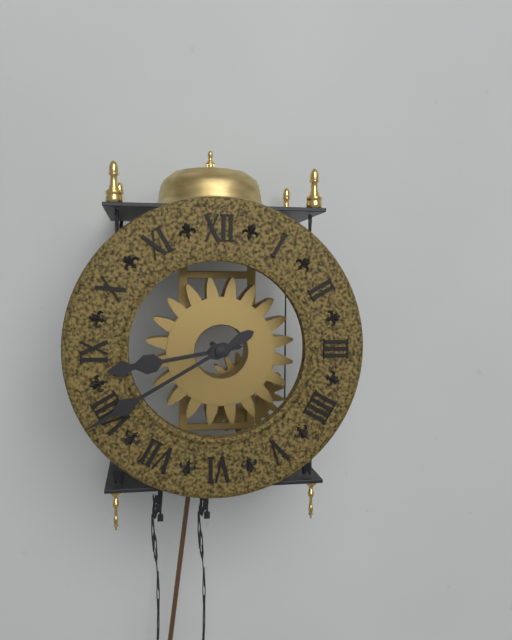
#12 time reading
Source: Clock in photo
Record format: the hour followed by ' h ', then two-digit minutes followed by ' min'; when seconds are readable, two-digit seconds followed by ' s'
8 h 40 min
